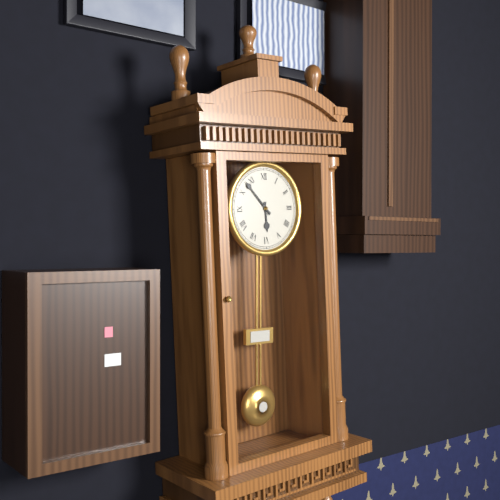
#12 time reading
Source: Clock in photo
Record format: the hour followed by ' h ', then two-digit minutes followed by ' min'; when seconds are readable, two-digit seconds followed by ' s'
5 h 53 min
